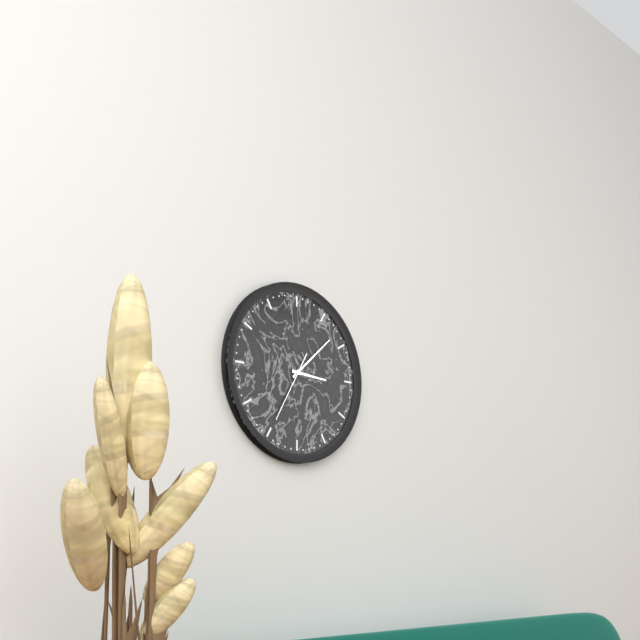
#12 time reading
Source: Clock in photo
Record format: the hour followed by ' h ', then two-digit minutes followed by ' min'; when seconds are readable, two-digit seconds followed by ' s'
3 h 08 min 35 s
